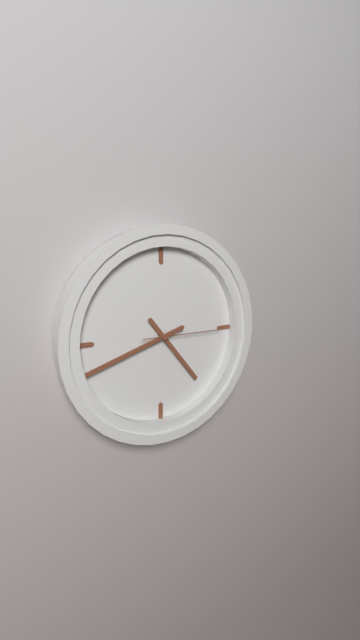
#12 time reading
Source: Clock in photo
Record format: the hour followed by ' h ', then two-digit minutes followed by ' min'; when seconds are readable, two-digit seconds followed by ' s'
4 h 42 min 15 s
